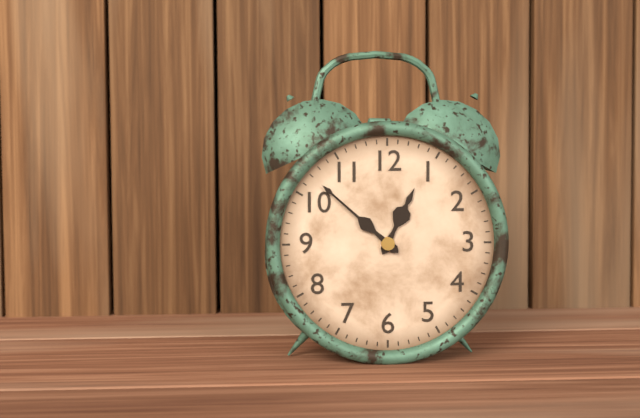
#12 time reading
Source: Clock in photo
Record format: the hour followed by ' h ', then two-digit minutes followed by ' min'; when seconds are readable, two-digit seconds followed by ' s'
12 h 52 min
